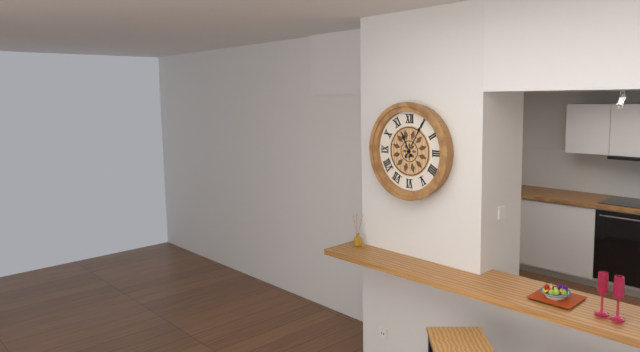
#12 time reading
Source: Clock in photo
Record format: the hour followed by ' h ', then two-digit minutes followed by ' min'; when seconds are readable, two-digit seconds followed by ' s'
11 h 05 min
